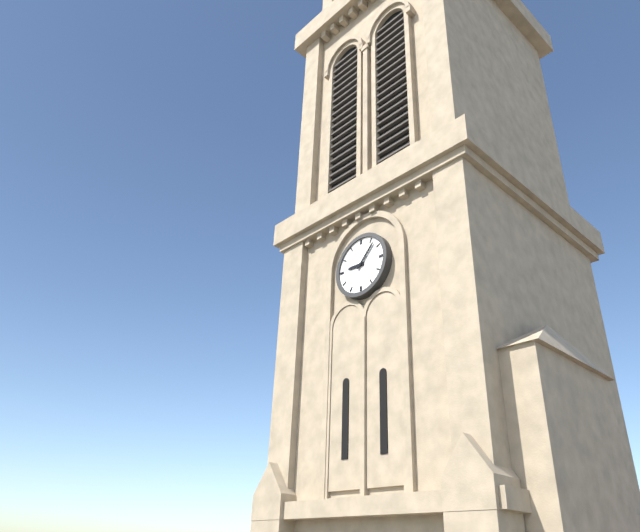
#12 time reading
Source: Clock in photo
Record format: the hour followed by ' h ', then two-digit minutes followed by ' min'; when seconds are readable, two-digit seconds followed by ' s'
9 h 07 min
